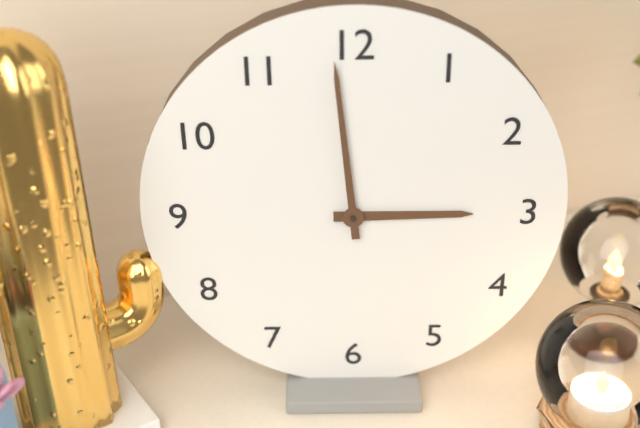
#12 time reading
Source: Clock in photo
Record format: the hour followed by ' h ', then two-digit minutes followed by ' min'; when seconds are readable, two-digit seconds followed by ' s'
2 h 59 min
